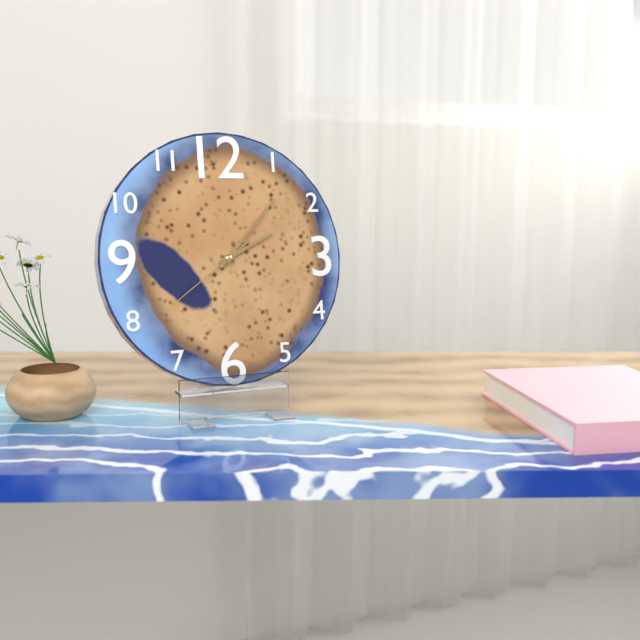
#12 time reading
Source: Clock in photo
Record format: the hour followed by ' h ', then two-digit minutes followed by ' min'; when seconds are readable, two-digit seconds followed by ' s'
2 h 07 min 39 s
